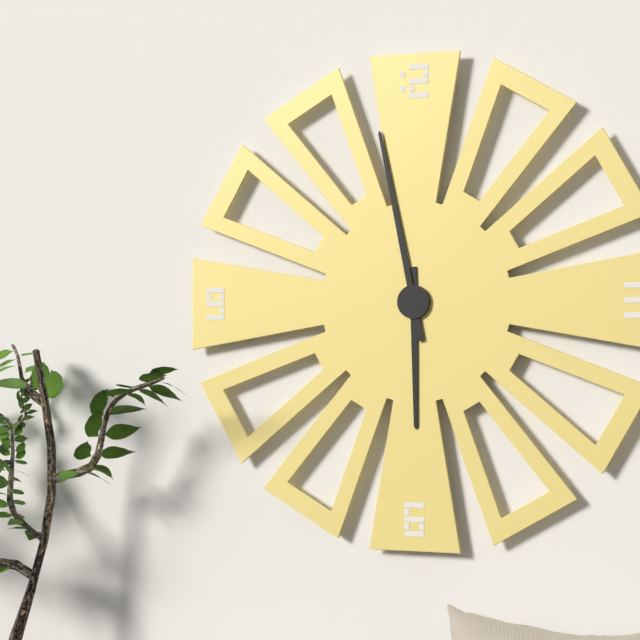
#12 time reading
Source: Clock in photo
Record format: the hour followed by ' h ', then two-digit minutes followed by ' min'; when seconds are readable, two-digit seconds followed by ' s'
5 h 58 min
